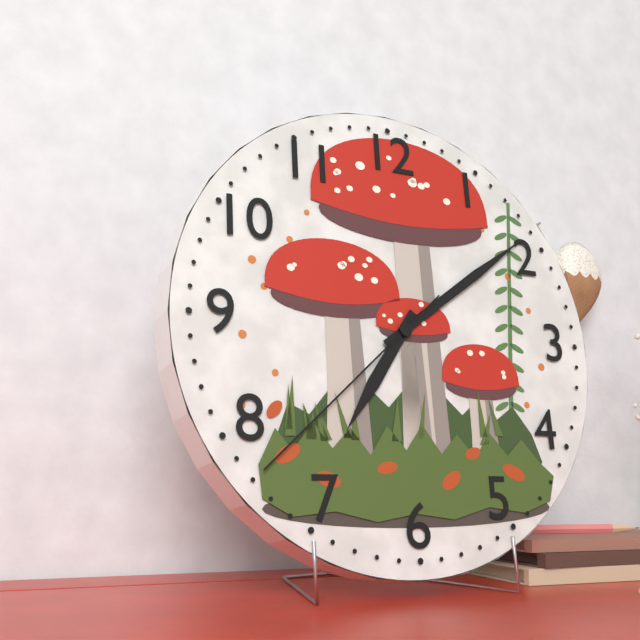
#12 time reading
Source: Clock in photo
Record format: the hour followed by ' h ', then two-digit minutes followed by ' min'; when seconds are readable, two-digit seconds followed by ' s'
7 h 09 min 38 s
